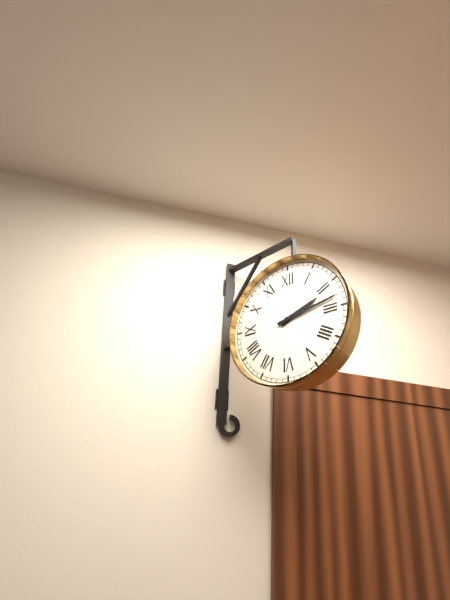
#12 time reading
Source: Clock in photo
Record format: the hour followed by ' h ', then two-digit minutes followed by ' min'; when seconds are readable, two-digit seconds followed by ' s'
2 h 13 min
